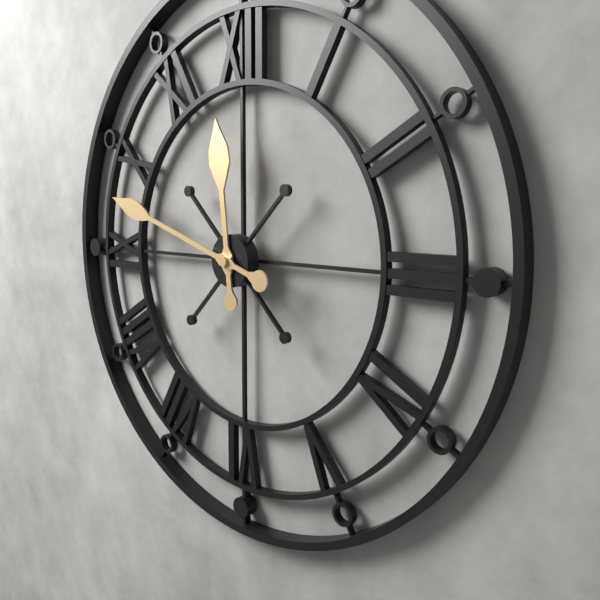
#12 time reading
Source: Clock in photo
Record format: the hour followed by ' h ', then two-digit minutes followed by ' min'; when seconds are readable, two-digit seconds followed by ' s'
11 h 48 min
